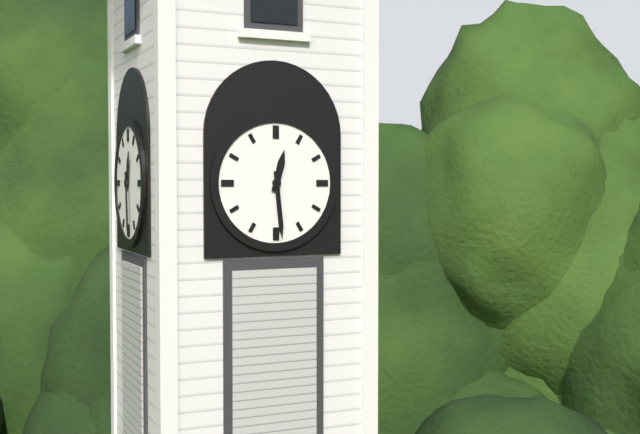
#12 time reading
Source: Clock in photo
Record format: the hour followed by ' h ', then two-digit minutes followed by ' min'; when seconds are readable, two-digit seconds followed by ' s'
12 h 29 min
